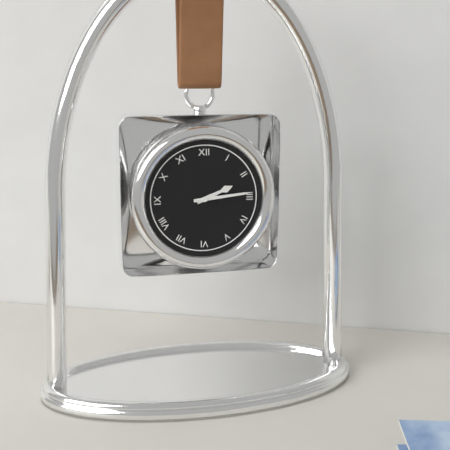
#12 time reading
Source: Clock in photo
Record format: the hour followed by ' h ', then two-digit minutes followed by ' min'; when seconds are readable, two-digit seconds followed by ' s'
2 h 14 min
